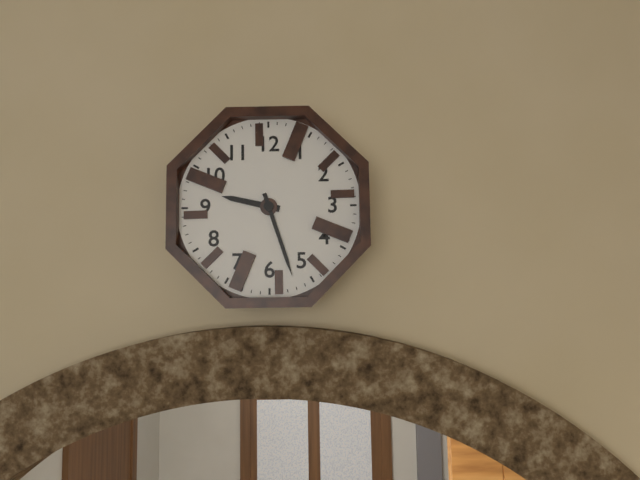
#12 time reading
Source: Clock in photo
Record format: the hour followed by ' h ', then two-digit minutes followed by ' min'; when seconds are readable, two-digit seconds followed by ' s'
9 h 27 min
